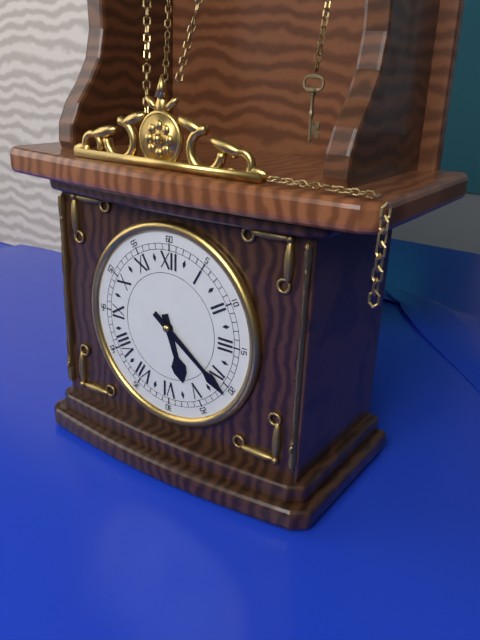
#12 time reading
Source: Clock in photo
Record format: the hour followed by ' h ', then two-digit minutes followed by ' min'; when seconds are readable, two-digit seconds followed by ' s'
5 h 21 min
